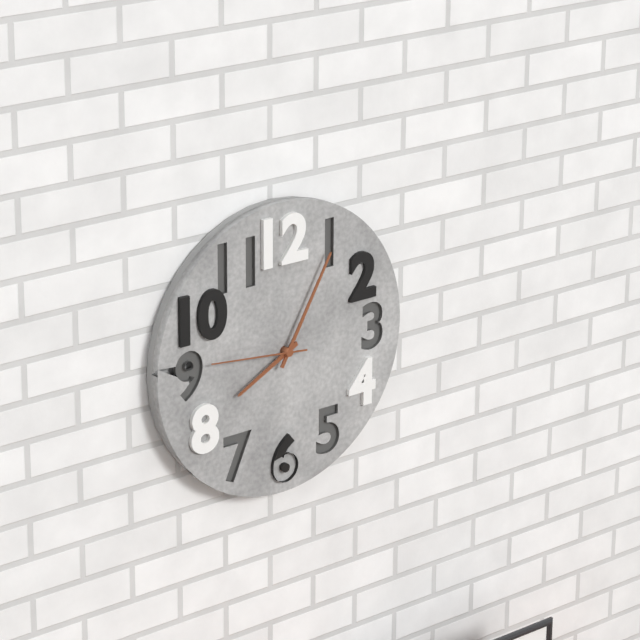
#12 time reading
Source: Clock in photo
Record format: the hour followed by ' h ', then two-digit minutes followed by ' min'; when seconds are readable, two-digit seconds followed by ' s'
8 h 05 min 46 s
